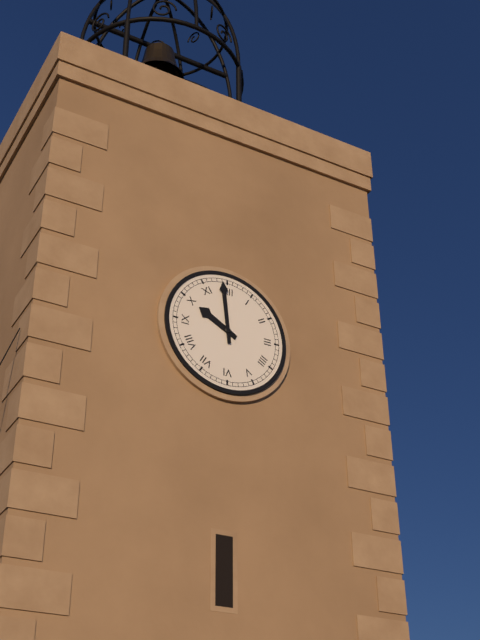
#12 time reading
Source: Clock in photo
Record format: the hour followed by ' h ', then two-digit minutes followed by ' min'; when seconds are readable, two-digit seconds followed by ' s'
9 h 59 min
